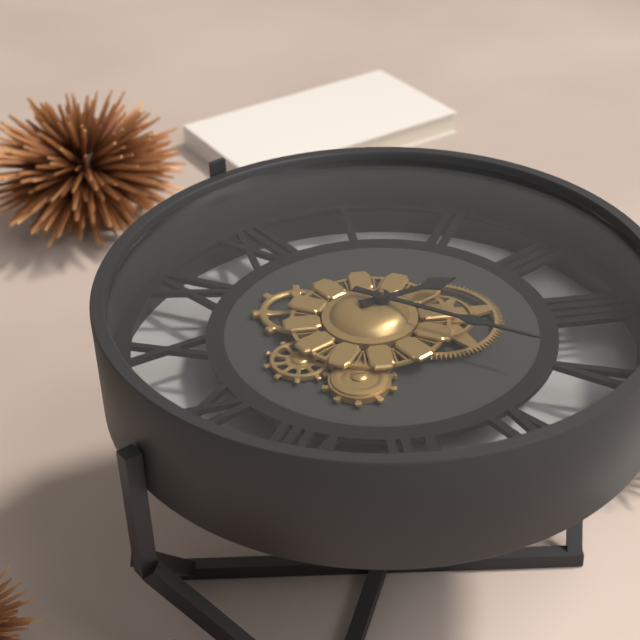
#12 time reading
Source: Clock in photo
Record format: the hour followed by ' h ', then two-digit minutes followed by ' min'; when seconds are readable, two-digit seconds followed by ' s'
3 h 26 min
